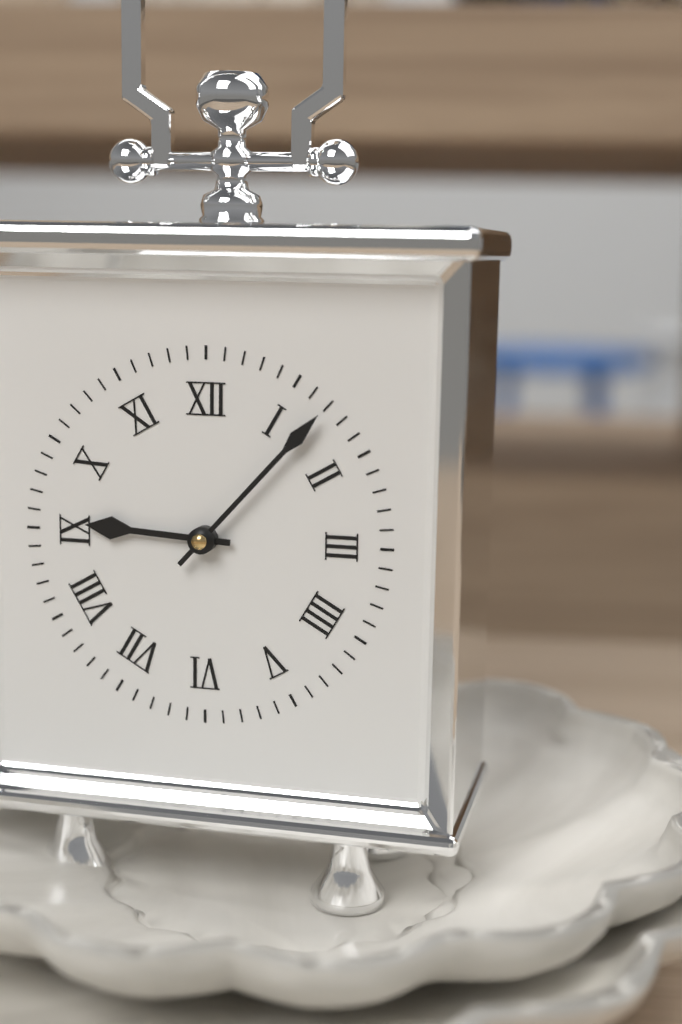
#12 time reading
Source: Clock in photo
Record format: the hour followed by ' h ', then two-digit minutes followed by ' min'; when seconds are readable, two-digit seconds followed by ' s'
9 h 07 min
